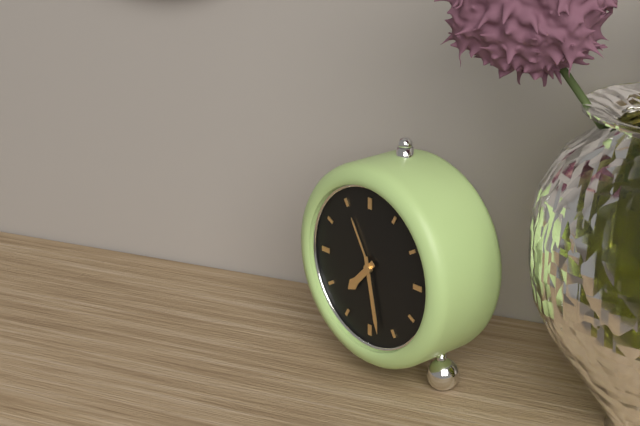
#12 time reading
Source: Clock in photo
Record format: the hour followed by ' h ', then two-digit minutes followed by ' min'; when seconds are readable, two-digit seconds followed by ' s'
7 h 28 min
